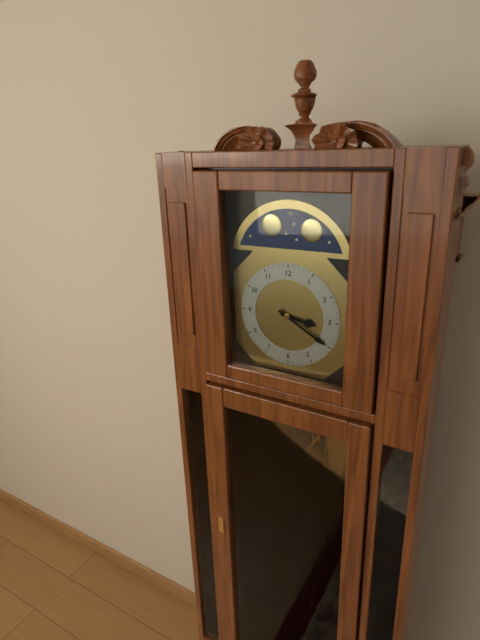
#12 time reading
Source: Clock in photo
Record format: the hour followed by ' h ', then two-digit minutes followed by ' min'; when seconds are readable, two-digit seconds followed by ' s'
3 h 20 min
